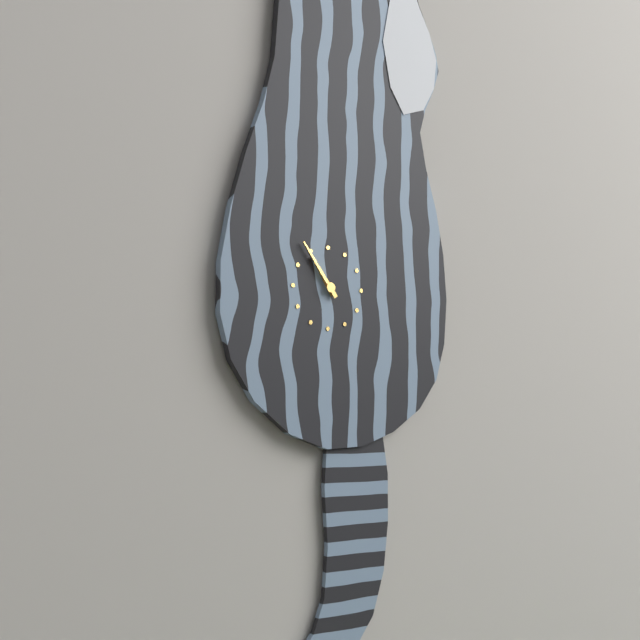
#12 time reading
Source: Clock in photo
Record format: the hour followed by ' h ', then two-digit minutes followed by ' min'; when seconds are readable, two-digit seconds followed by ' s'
10 h 54 min
